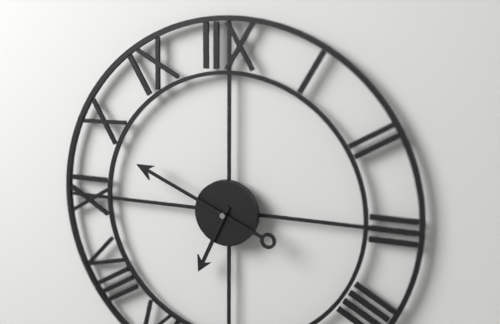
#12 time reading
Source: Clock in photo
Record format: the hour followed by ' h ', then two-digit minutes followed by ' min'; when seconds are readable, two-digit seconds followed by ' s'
6 h 49 min
